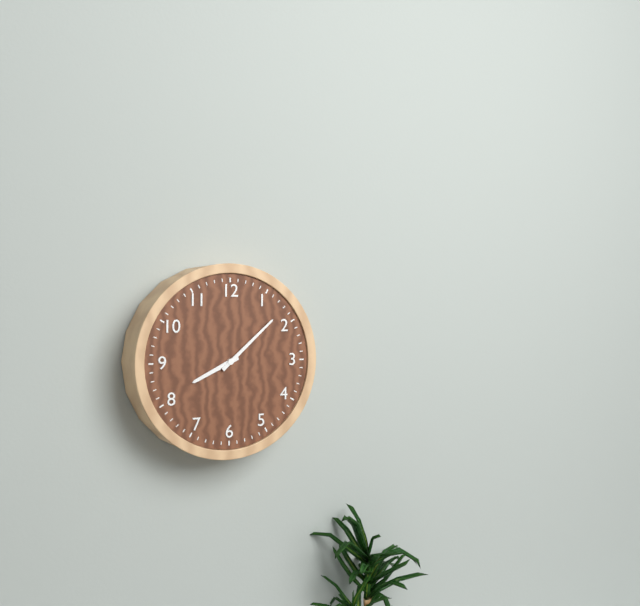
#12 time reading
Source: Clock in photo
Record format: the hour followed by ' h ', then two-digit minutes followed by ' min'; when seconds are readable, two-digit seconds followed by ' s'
8 h 08 min
